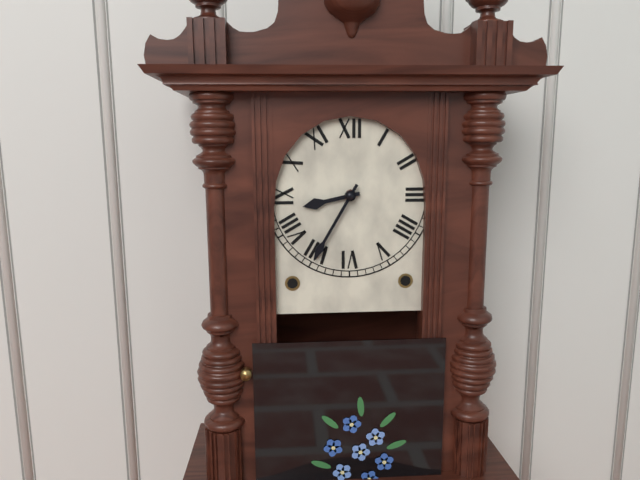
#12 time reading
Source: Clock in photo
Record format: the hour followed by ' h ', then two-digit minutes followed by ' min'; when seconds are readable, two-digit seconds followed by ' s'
8 h 35 min
